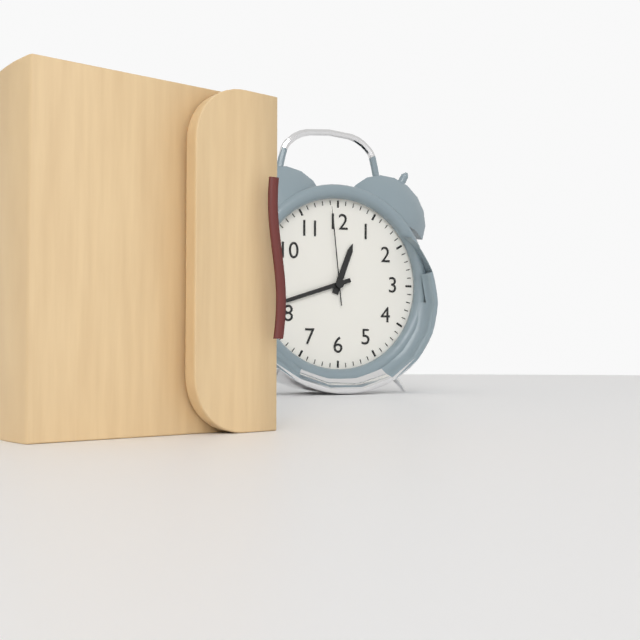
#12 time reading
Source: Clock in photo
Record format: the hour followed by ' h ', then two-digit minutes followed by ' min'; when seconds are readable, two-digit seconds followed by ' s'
12 h 42 min 59 s
